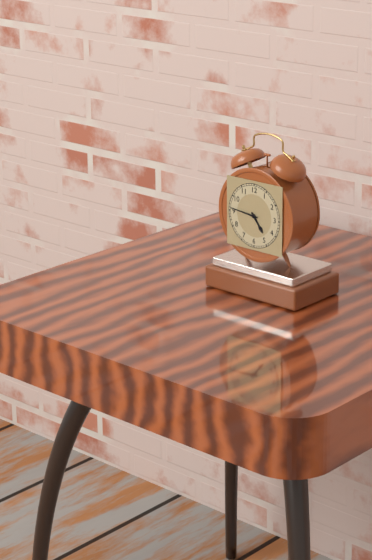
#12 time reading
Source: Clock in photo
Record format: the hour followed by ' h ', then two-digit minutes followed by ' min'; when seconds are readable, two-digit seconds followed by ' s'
4 h 46 min
